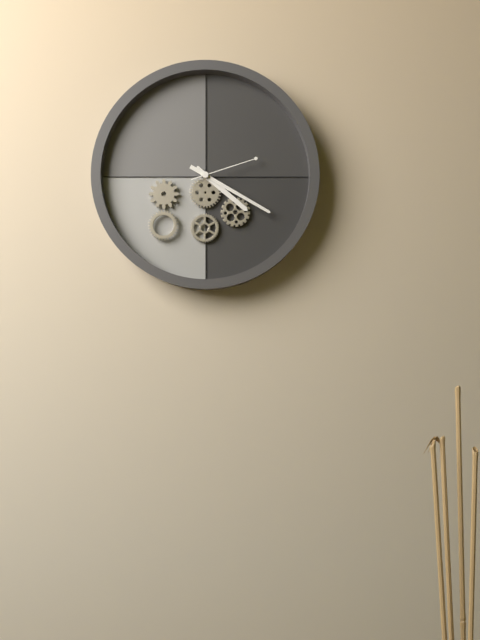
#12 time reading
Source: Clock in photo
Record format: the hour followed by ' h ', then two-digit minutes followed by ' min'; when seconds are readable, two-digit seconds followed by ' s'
4 h 20 min 12 s
